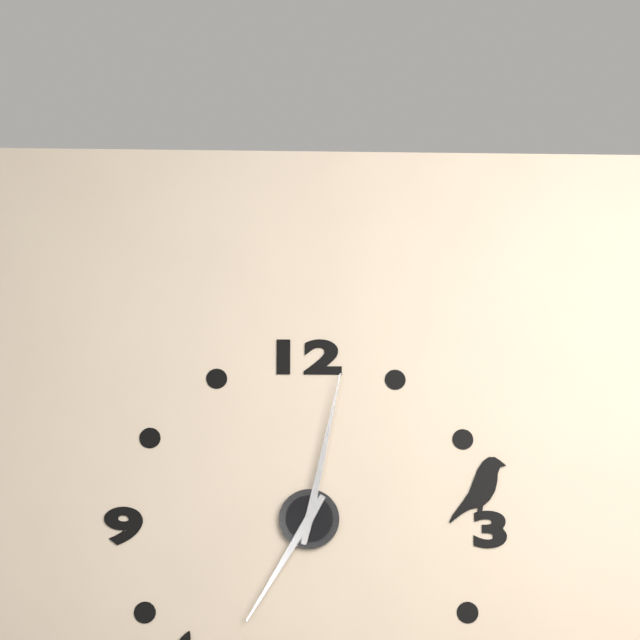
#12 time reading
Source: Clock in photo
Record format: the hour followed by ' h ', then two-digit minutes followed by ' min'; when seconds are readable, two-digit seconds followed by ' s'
7 h 02 min
